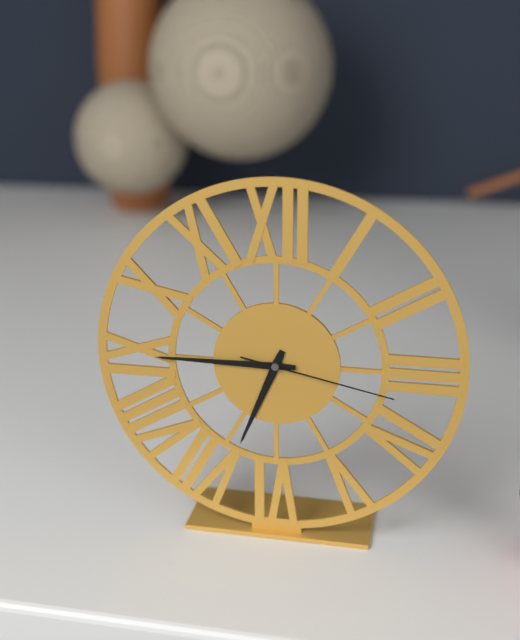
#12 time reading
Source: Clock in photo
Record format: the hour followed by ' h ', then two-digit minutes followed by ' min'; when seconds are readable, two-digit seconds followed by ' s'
6 h 45 min 17 s
